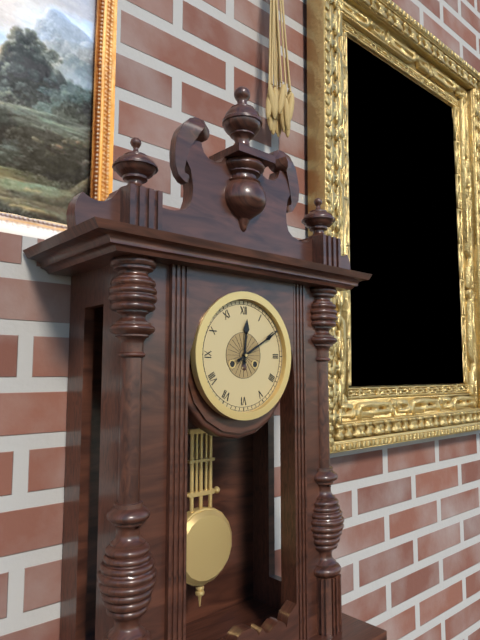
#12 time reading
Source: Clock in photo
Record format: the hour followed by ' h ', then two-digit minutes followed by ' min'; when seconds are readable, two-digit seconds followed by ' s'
12 h 10 min
